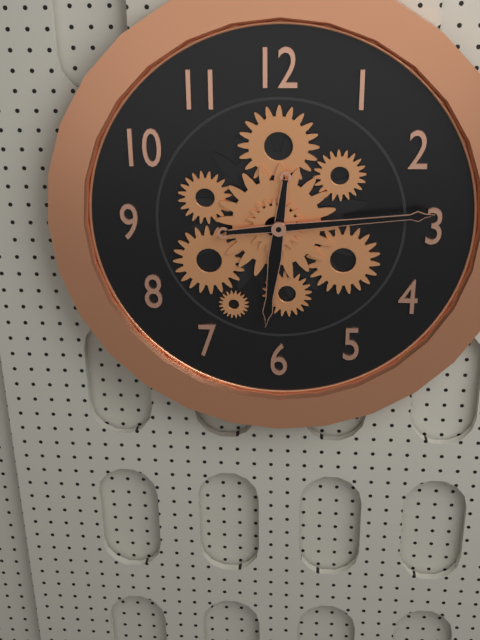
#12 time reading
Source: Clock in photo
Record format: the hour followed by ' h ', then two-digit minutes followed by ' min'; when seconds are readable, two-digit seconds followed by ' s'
6 h 14 min
